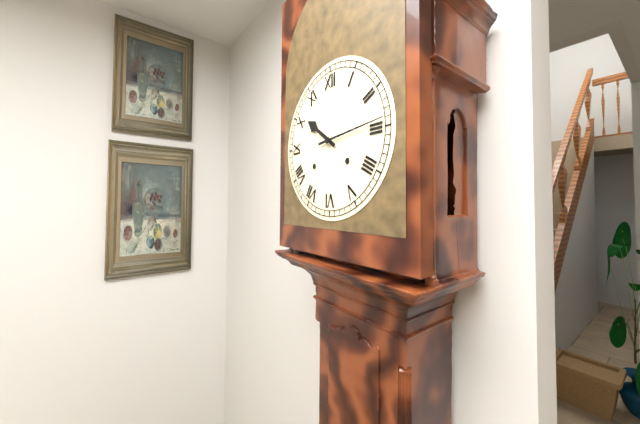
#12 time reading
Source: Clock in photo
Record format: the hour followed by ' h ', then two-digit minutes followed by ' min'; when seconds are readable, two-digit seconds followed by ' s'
10 h 14 min
